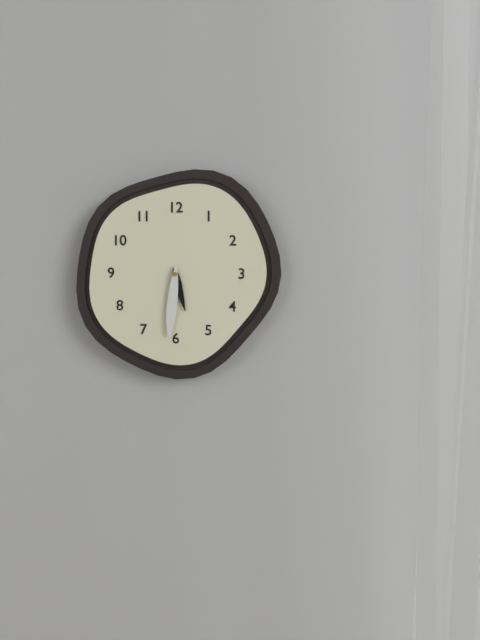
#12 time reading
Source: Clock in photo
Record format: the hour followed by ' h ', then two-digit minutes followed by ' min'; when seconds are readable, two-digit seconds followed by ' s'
5 h 31 min
